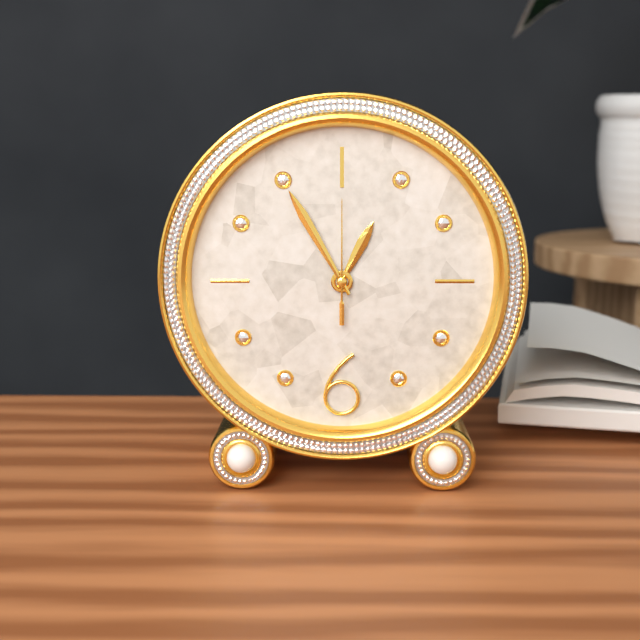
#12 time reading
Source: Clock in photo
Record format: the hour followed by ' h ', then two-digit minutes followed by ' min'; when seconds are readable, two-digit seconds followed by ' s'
12 h 55 min 00 s
